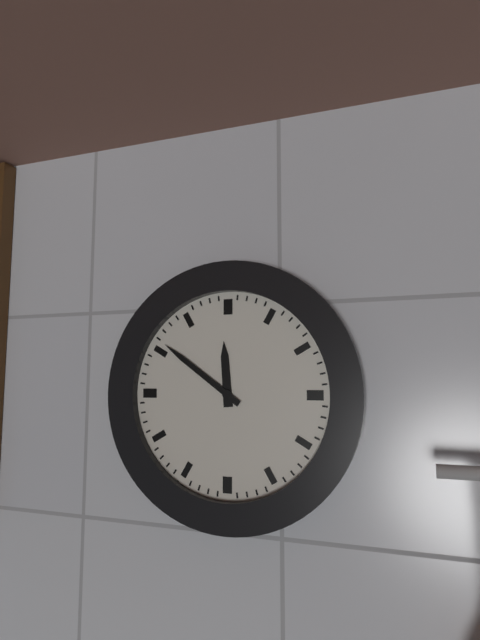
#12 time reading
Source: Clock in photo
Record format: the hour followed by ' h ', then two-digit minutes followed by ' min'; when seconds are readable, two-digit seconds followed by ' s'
11 h 51 min
